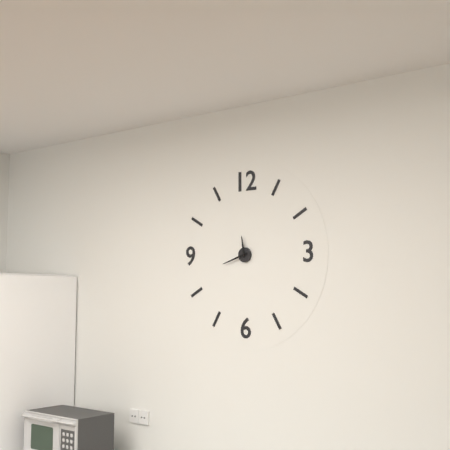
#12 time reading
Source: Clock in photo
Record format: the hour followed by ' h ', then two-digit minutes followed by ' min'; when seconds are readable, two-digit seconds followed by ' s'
11 h 42 min
